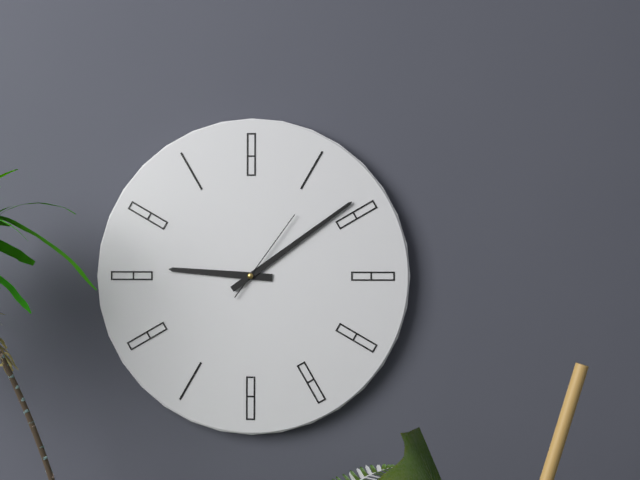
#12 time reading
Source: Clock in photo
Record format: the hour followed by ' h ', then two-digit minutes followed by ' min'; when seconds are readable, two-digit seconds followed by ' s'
9 h 09 min 06 s
